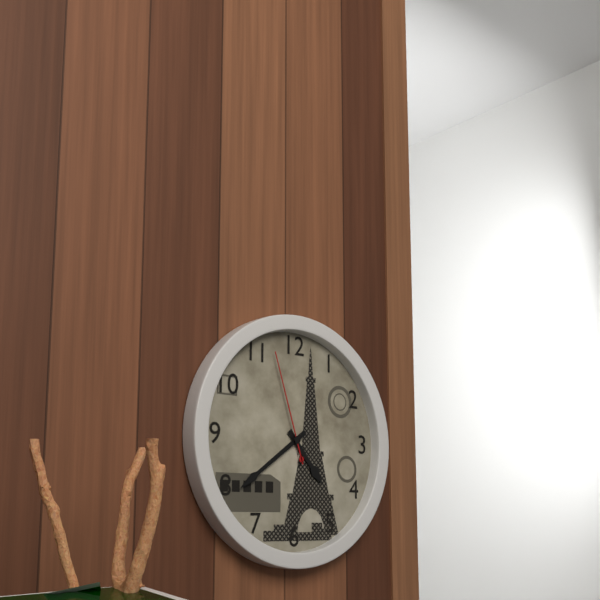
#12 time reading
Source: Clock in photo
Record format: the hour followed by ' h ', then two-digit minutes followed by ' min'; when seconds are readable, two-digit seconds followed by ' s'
4 h 39 min 57 s
